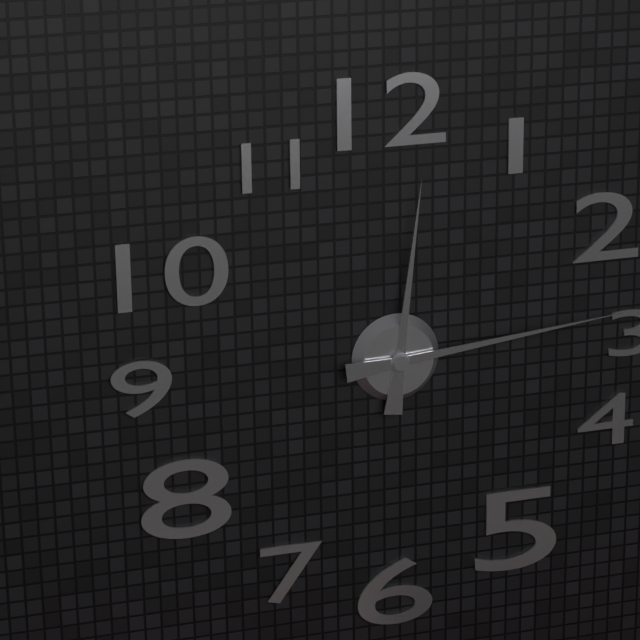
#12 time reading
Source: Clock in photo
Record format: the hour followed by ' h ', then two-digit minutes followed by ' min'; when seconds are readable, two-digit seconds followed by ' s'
12 h 14 min
